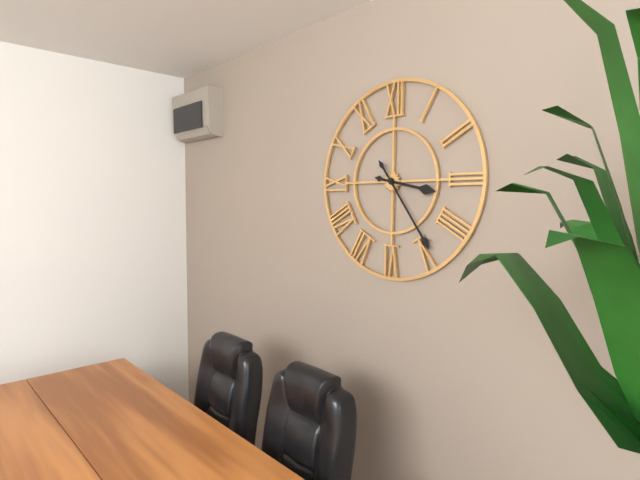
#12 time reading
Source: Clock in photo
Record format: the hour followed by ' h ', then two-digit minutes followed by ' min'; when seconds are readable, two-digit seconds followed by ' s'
3 h 24 min
